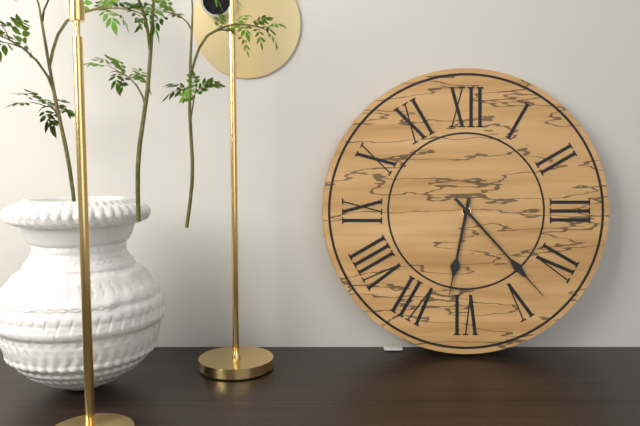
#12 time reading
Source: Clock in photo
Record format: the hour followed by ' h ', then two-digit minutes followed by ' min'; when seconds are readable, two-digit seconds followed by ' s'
6 h 23 min
